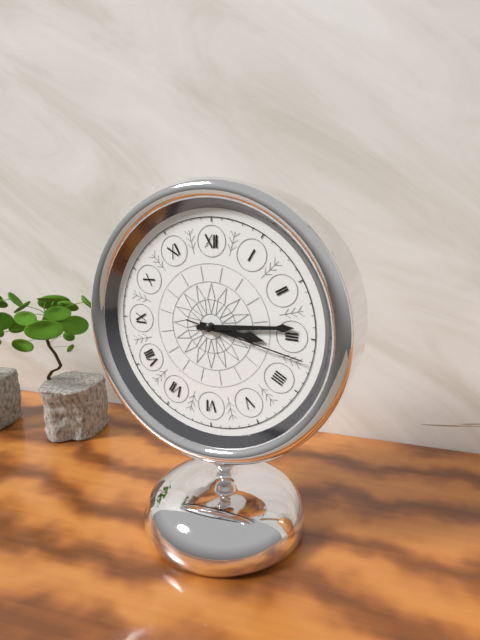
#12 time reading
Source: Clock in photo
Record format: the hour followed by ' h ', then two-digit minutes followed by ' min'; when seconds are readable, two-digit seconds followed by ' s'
3 h 14 min 17 s
